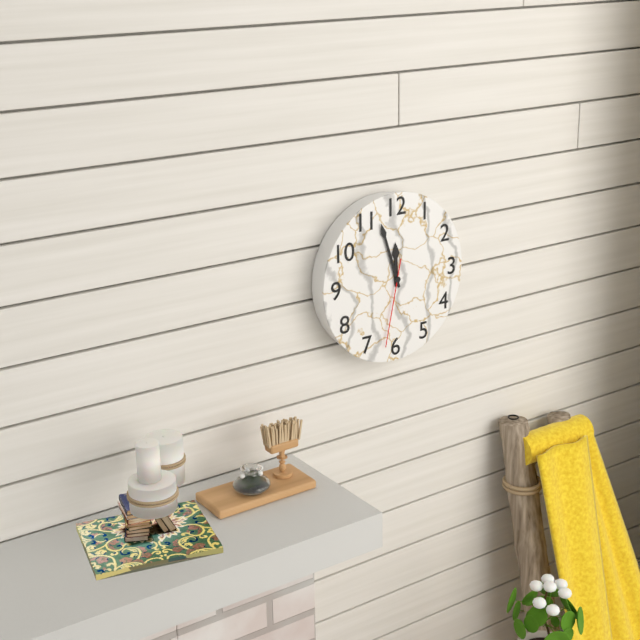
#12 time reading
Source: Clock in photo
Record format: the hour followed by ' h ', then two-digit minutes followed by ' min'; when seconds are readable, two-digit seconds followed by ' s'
11 h 57 min 32 s
